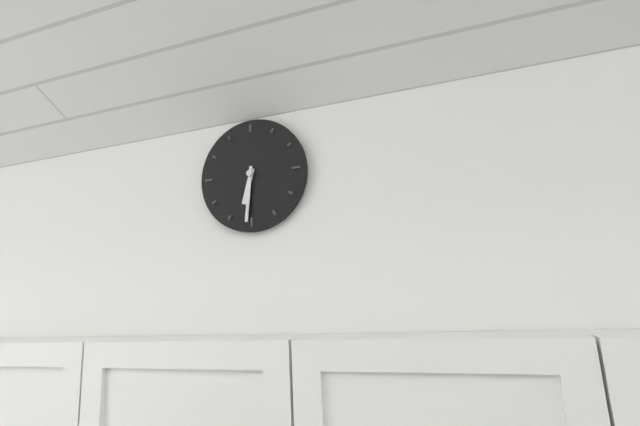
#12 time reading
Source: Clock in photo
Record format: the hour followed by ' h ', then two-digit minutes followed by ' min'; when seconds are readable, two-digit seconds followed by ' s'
6 h 31 min
